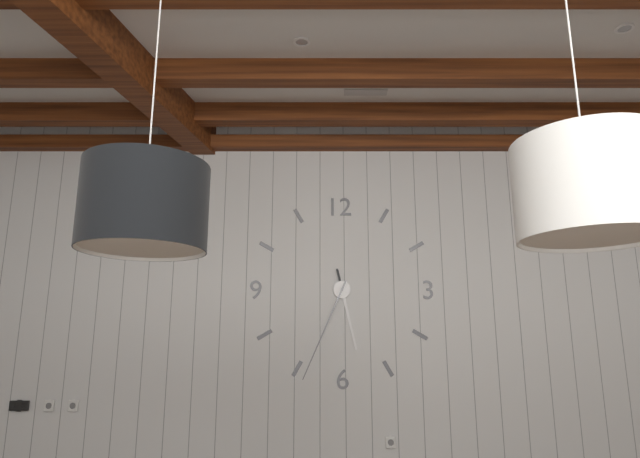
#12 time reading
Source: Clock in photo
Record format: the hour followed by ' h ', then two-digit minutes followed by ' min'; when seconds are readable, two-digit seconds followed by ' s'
5 h 34 min
